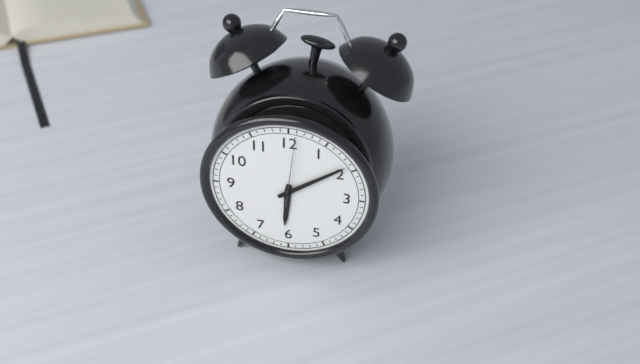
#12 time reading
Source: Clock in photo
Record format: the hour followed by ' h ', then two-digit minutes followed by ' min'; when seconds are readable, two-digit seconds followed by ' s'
6 h 09 min 01 s
